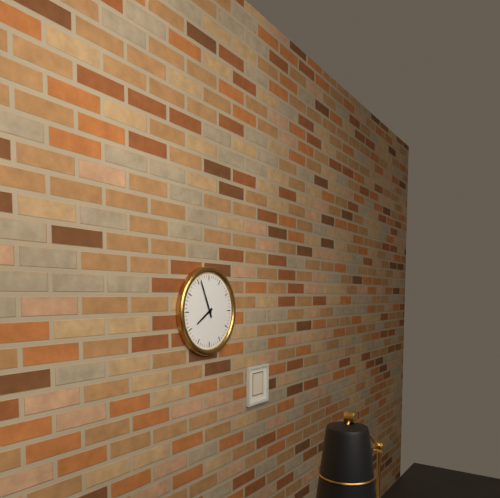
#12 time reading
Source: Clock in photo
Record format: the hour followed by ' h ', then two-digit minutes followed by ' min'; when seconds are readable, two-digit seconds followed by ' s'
7 h 56 min
